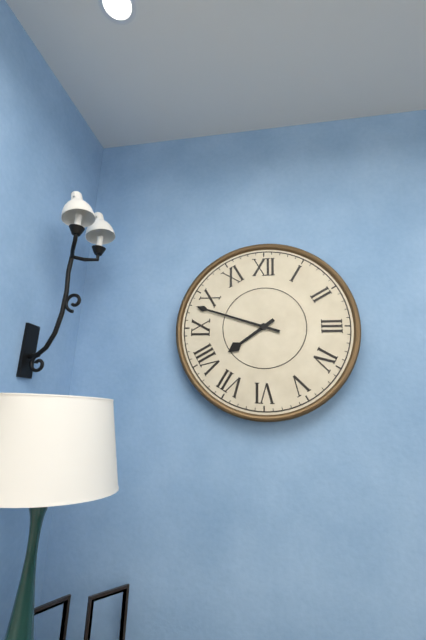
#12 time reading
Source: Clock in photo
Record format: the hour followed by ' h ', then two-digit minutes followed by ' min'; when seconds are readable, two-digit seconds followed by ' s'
7 h 48 min
